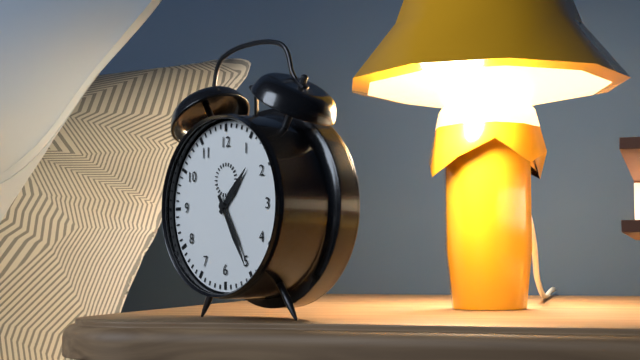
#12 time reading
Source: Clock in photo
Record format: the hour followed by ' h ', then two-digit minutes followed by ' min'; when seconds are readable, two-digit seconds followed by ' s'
1 h 25 min
